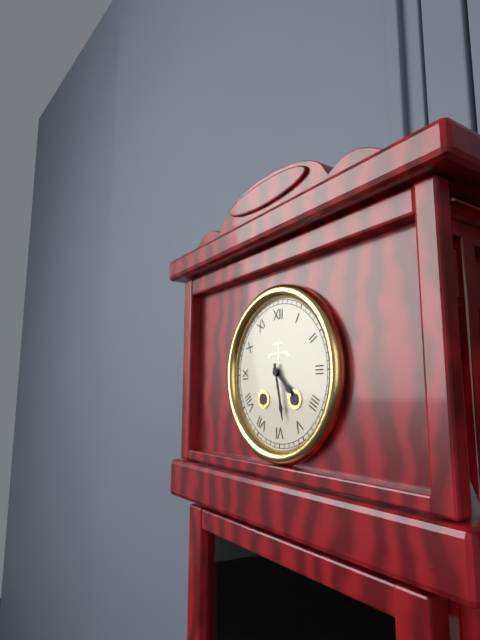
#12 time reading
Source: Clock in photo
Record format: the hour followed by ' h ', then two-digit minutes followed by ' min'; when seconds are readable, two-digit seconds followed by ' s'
4 h 28 min
